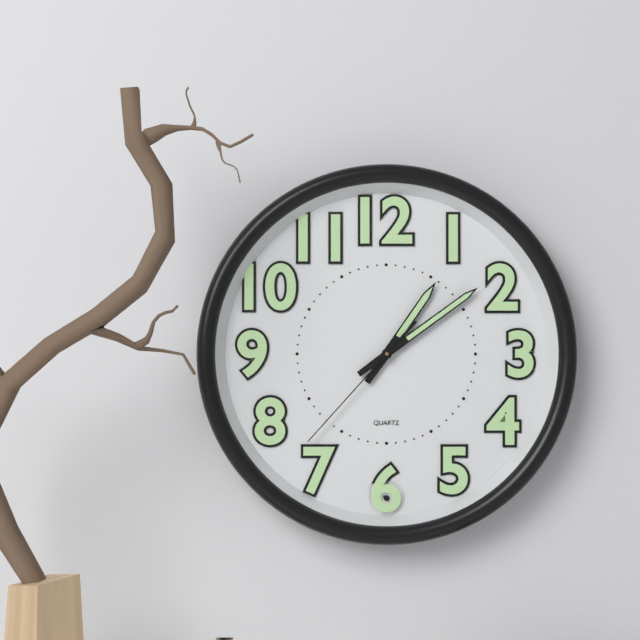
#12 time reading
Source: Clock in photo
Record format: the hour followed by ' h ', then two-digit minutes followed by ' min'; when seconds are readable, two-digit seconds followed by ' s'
1 h 09 min 37 s
